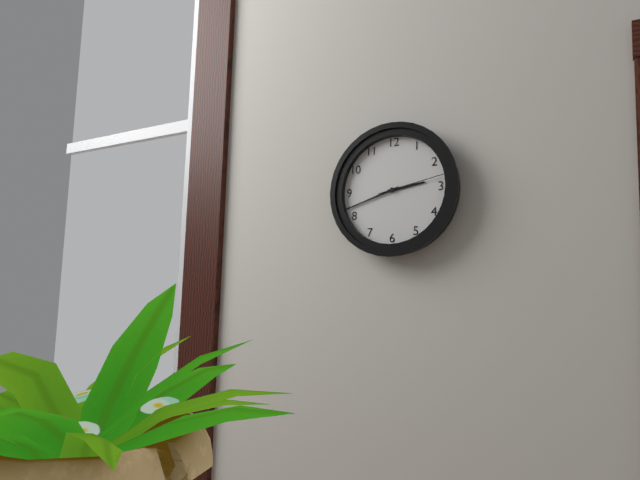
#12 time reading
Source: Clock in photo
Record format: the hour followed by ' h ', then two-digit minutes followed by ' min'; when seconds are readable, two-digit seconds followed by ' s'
2 h 42 min 13 s
